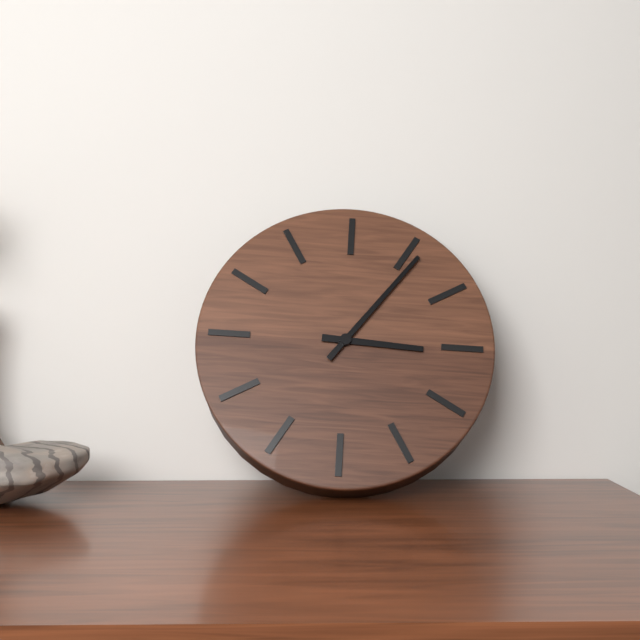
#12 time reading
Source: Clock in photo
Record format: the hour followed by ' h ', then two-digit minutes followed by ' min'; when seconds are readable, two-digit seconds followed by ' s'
3 h 06 min
